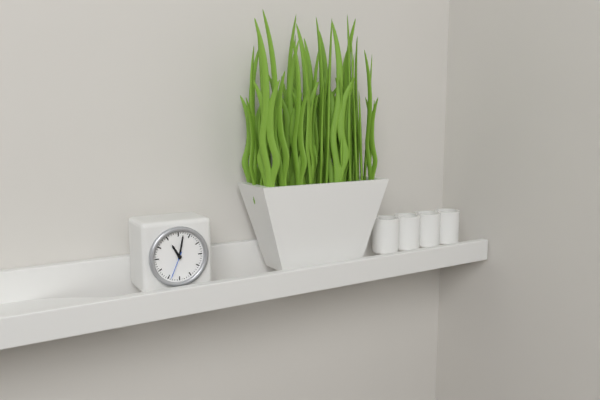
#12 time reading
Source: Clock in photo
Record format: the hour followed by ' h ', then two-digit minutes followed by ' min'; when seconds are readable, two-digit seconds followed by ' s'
11 h 02 min
